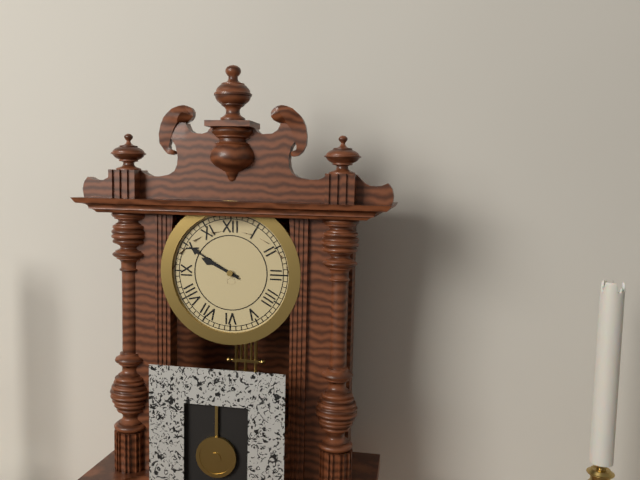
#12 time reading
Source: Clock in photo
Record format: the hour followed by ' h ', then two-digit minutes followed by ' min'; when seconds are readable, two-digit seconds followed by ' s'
9 h 50 min
